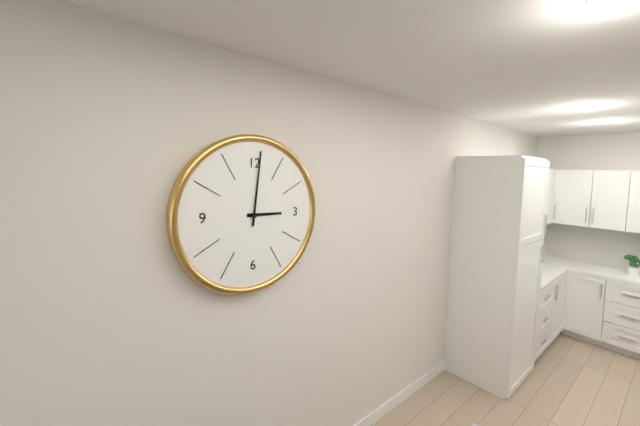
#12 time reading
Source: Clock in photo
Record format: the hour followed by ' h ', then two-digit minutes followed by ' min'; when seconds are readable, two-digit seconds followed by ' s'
3 h 01 min
